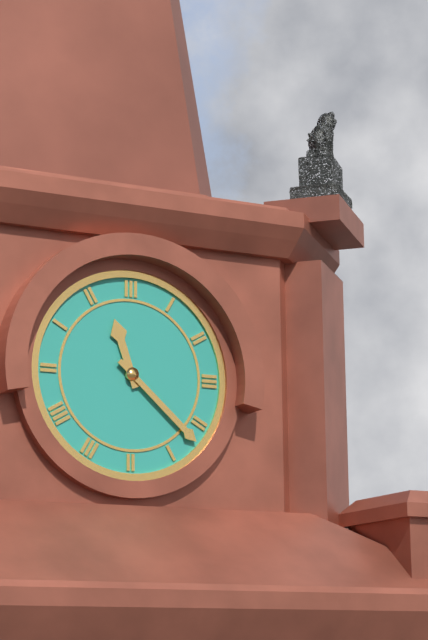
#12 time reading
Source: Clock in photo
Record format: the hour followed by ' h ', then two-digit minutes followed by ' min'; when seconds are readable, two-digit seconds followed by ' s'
11 h 22 min
